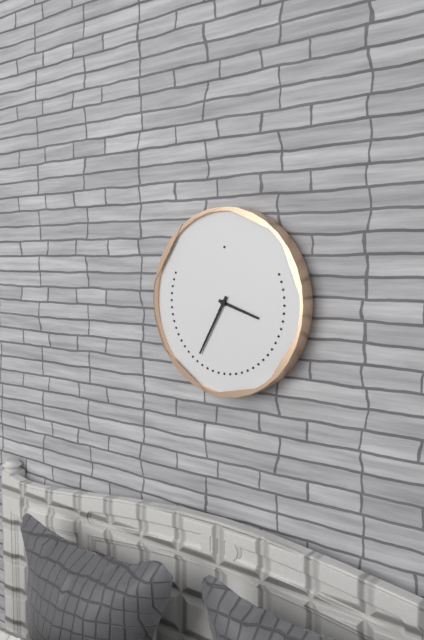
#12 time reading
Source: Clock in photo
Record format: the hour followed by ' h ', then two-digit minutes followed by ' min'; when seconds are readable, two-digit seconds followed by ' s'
3 h 35 min
